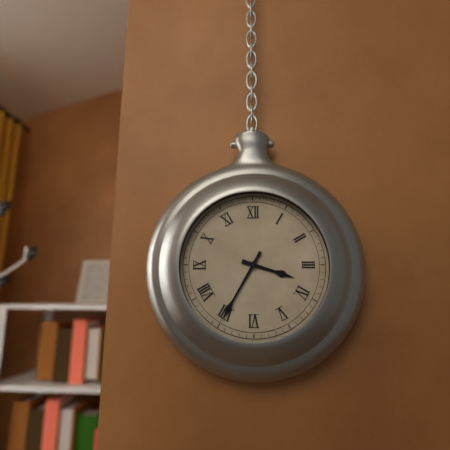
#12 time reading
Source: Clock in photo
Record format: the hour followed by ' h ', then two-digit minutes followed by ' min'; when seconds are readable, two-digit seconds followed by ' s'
3 h 35 min
